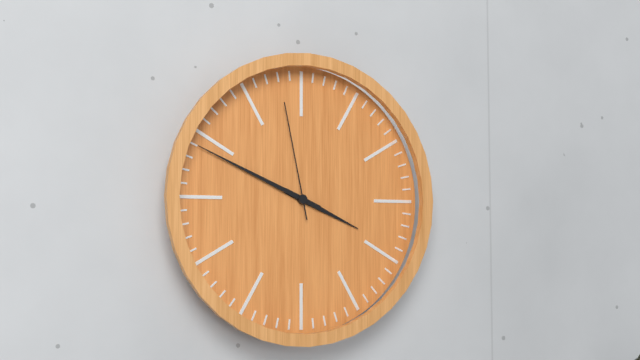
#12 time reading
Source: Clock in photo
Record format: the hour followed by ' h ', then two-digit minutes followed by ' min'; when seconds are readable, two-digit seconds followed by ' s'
3 h 49 min 58 s
